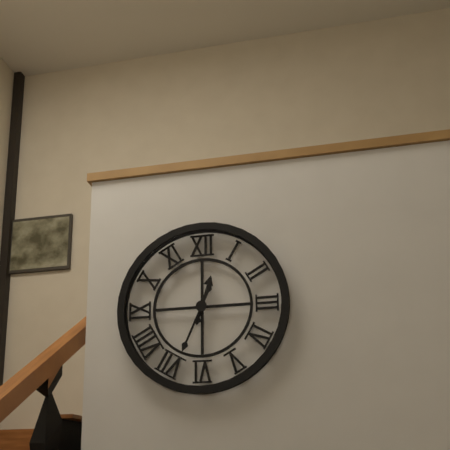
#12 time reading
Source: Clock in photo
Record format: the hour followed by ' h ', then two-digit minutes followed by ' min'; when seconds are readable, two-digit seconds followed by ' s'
12 h 34 min
